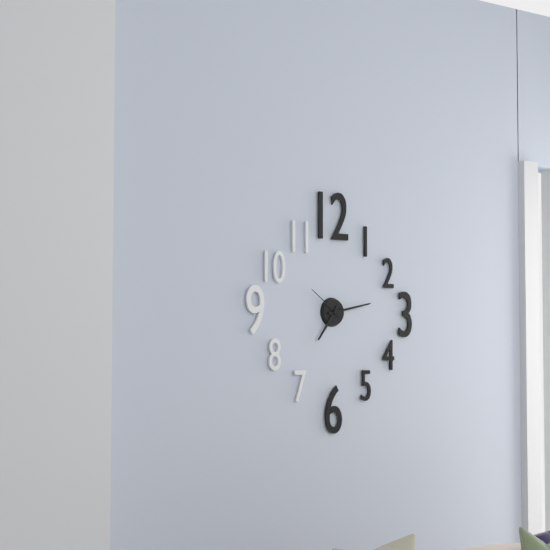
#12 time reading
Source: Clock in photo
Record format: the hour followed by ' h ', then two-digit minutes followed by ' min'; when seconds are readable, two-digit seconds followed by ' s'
7 h 13 min
